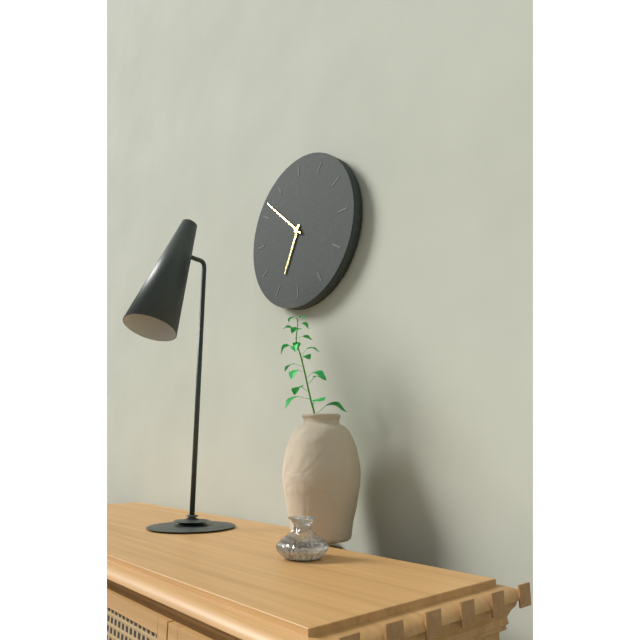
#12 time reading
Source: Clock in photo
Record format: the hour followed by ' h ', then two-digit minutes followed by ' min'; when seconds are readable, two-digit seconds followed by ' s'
6 h 52 min
